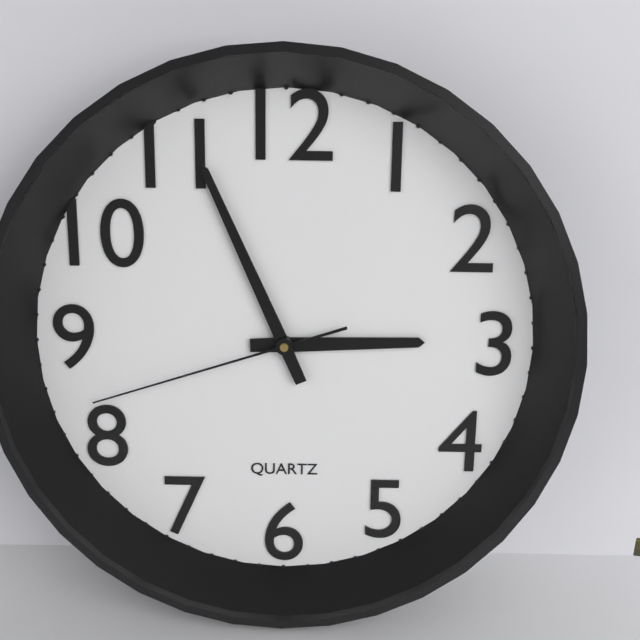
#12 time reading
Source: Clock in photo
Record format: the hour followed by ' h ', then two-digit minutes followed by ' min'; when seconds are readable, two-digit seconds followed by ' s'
2 h 56 min 42 s
